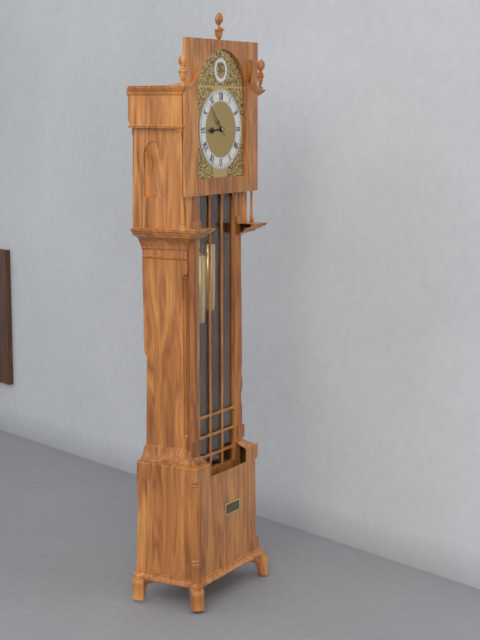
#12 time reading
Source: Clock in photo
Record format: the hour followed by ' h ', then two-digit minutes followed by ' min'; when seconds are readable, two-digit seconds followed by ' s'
8 h 53 min
